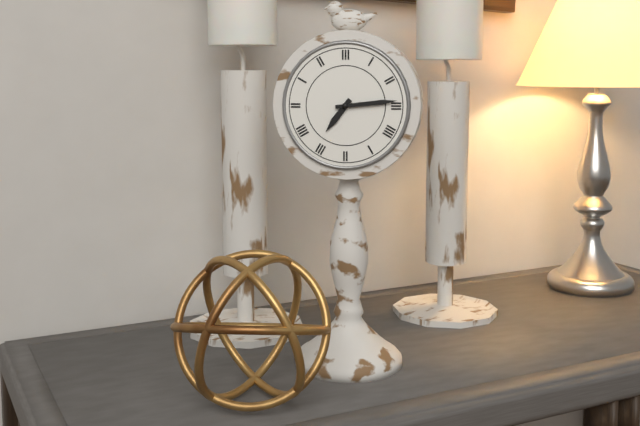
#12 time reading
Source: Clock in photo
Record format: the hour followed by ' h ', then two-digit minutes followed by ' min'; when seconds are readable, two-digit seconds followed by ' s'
7 h 14 min
